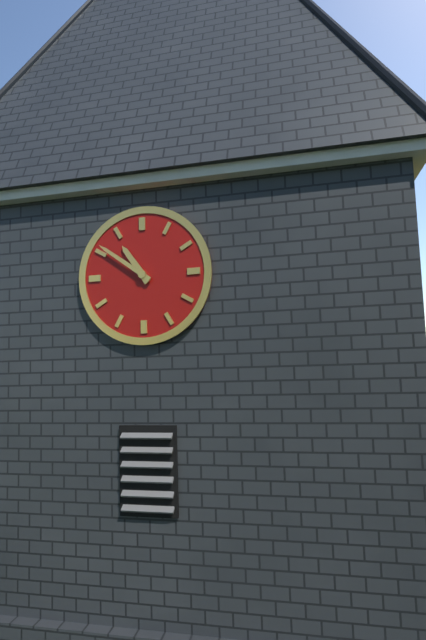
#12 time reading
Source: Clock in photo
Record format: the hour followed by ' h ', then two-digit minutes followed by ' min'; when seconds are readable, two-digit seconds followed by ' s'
10 h 51 min
